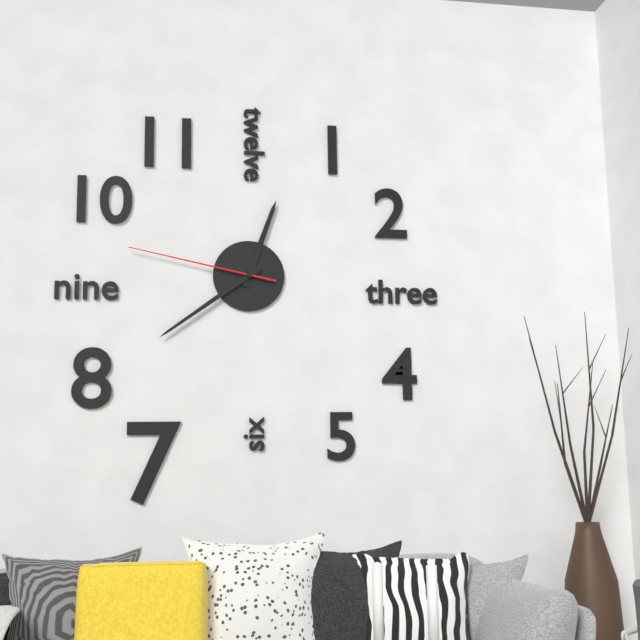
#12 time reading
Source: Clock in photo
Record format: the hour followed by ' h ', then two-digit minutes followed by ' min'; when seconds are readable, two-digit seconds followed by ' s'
12 h 39 min 47 s
